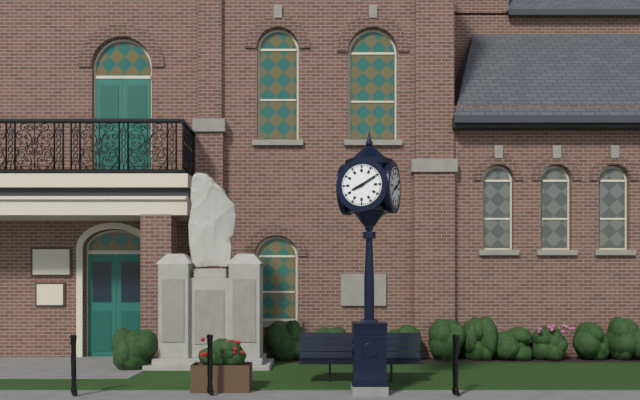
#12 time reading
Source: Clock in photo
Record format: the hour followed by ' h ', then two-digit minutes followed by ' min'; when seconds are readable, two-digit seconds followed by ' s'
8 h 10 min
